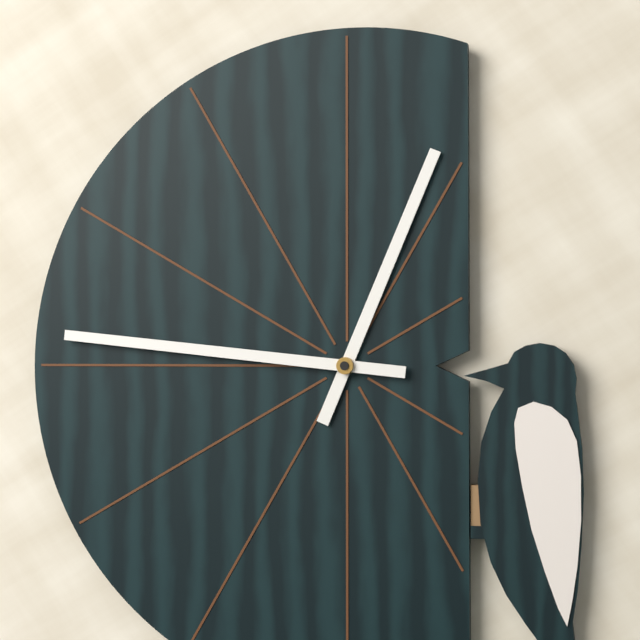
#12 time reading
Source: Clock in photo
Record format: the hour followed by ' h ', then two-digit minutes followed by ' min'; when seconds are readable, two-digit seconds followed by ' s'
12 h 46 min
